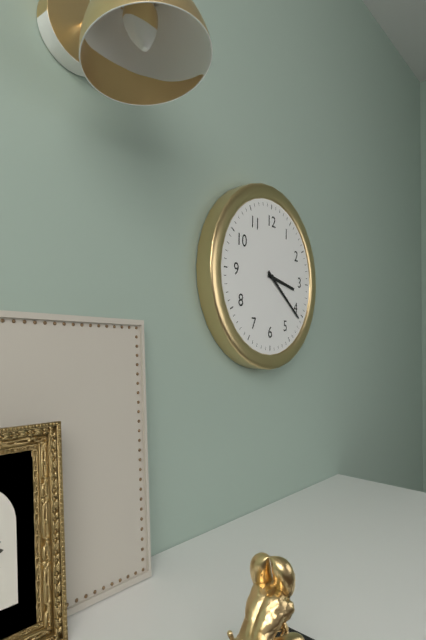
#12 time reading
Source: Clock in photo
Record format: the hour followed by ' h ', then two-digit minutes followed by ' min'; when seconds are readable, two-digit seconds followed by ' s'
3 h 21 min
